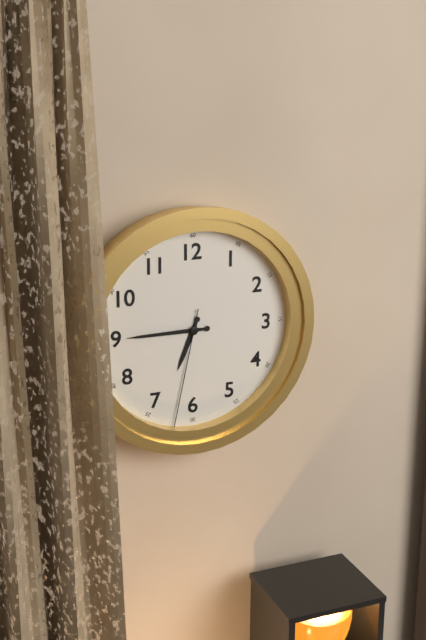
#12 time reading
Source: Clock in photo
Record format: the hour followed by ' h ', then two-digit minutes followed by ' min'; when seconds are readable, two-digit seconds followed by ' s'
6 h 45 min 32 s
